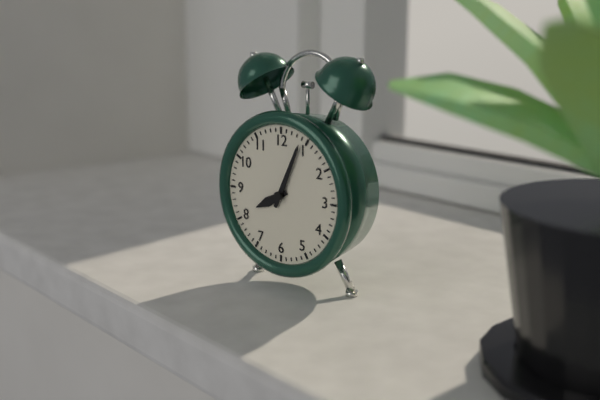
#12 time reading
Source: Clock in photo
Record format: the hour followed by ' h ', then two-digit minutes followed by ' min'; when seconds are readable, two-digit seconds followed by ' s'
8 h 04 min
